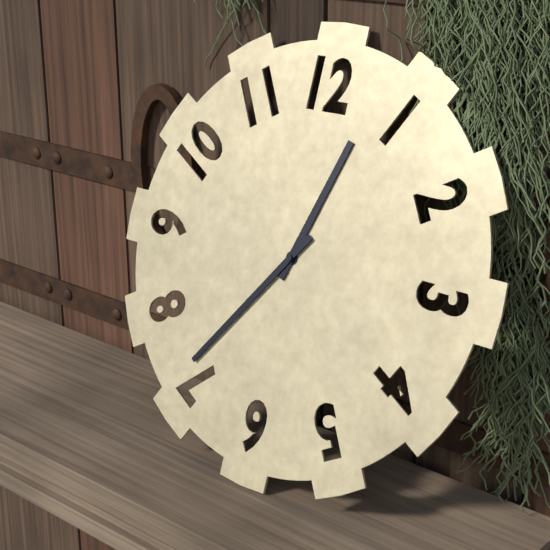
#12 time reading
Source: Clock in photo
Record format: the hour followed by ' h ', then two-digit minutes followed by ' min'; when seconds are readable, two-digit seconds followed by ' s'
12 h 36 min
